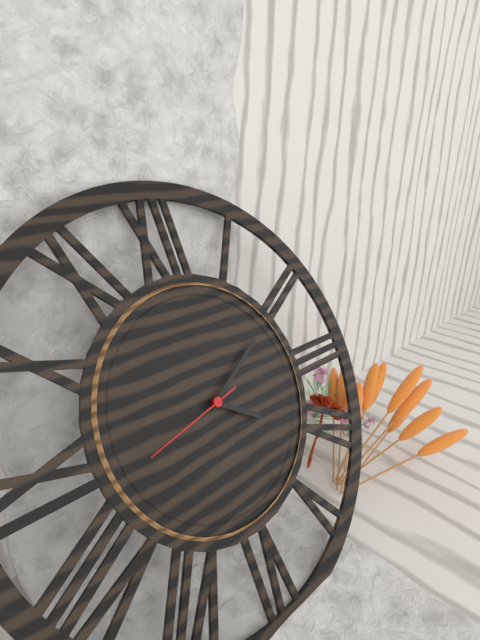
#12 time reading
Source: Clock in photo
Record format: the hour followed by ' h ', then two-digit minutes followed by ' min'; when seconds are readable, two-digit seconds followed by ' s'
4 h 10 min 43 s
